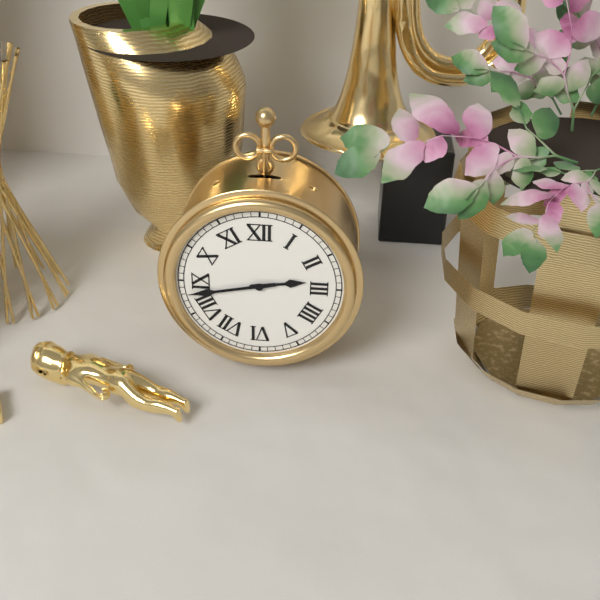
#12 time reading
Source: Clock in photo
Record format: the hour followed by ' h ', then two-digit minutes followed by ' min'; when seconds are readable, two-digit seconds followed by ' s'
2 h 43 min
